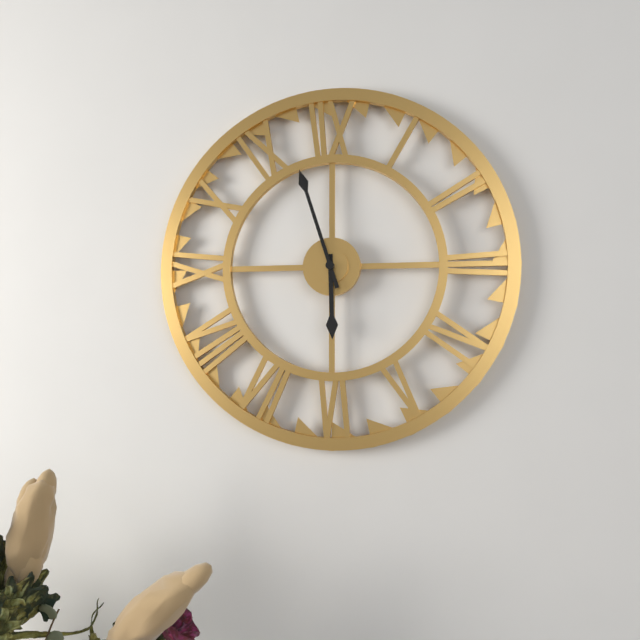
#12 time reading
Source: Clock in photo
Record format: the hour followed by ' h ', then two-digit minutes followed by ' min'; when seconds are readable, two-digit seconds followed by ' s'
5 h 57 min
